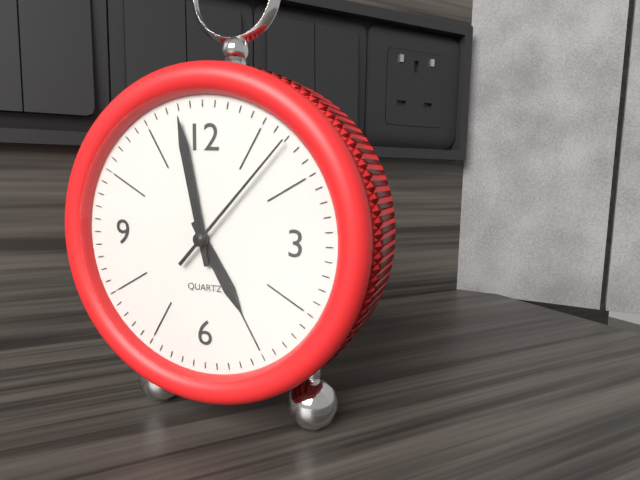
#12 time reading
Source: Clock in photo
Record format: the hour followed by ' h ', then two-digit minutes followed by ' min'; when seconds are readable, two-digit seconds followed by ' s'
4 h 58 min 07 s
